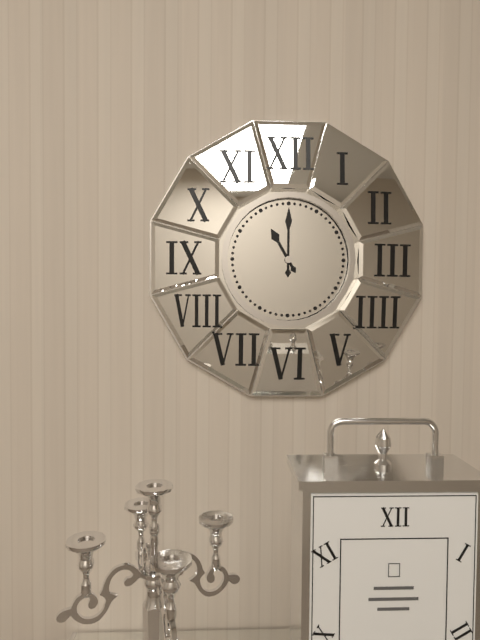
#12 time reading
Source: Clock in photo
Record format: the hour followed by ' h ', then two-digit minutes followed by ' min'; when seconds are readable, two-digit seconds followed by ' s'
11 h 00 min
